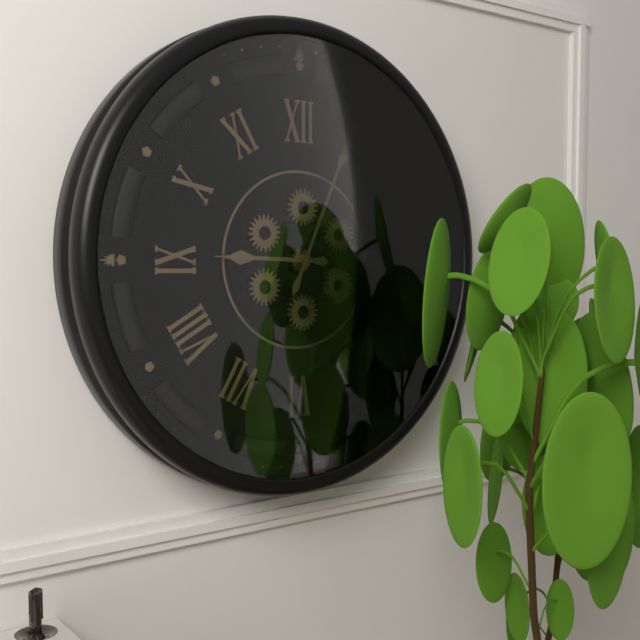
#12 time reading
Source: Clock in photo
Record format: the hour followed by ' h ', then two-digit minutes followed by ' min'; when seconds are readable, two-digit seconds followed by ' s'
9 h 04 min
